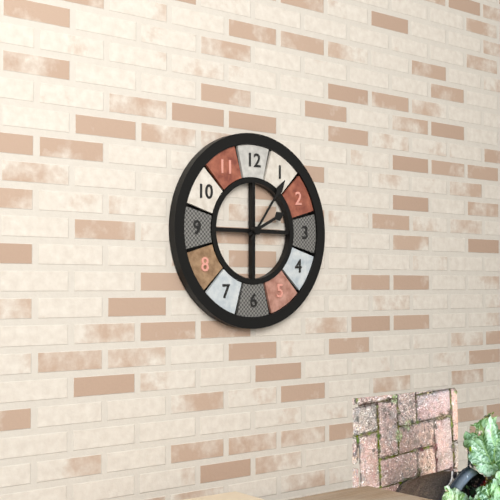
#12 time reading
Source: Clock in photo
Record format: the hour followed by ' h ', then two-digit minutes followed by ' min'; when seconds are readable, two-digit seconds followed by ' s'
2 h 06 min
